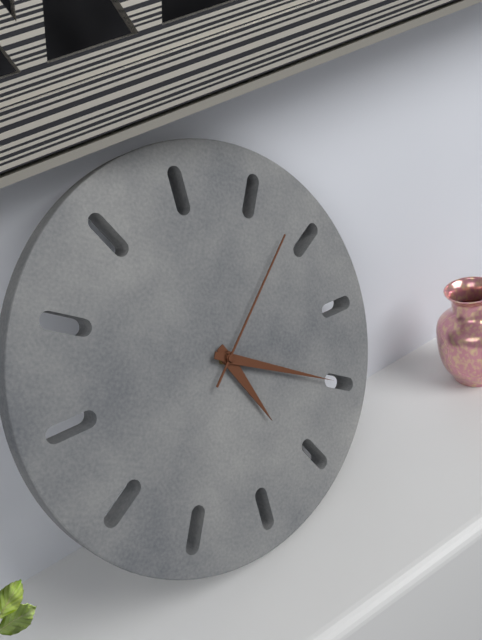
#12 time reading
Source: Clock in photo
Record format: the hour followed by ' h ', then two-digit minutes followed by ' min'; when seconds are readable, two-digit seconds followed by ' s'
4 h 15 min 03 s
